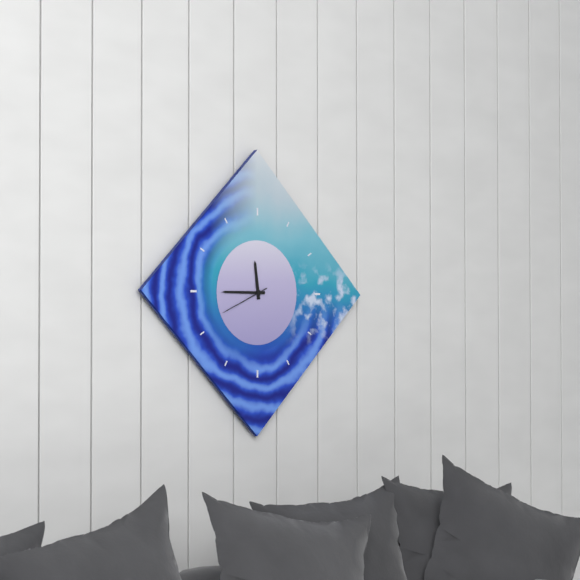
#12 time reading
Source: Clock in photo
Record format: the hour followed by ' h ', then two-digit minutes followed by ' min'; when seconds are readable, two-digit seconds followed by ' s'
11 h 45 min
